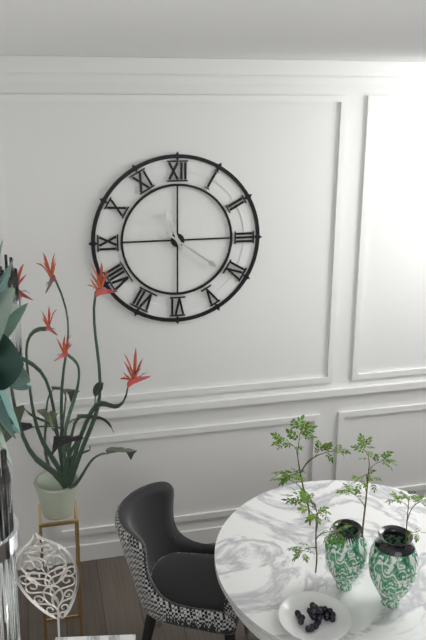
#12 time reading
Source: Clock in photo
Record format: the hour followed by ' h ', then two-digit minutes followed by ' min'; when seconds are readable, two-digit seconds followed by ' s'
11 h 21 min
